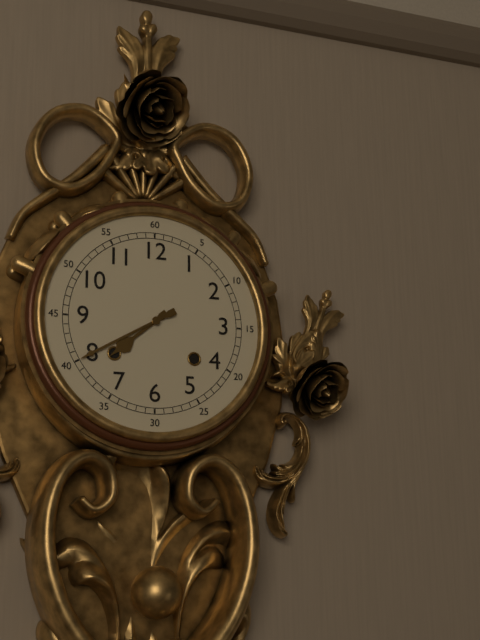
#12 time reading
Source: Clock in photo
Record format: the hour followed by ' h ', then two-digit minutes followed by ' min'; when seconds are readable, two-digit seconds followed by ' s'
7 h 40 min
